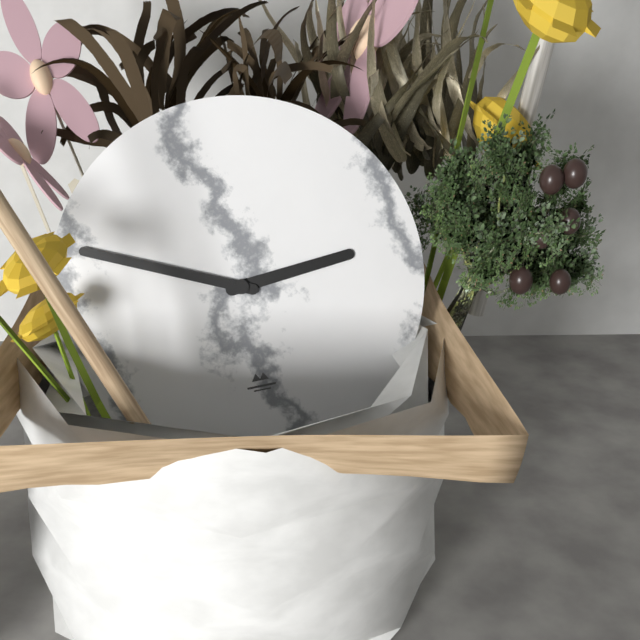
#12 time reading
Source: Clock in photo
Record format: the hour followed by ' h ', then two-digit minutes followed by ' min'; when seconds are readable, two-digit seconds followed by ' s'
2 h 49 min
